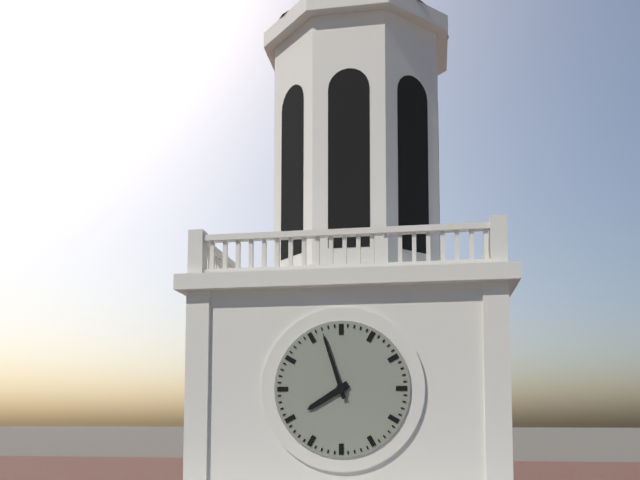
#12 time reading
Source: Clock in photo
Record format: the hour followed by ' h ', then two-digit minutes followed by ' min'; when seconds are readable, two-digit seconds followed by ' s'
7 h 57 min
